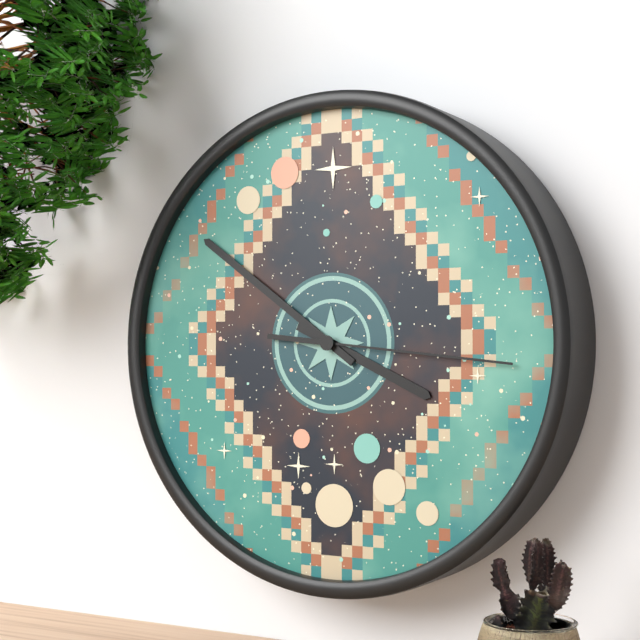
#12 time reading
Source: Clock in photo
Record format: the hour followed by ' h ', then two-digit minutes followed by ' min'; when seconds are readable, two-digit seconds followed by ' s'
3 h 51 min 16 s
